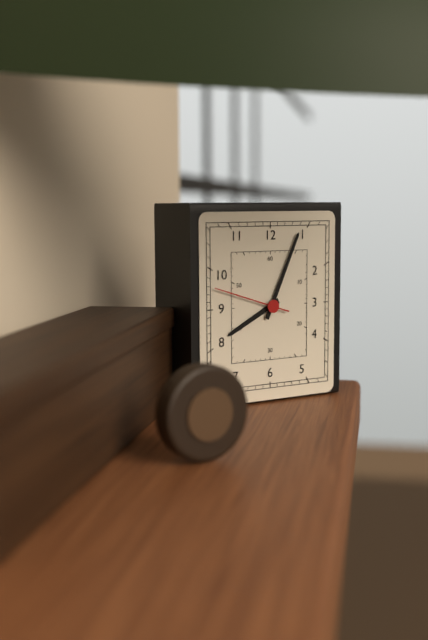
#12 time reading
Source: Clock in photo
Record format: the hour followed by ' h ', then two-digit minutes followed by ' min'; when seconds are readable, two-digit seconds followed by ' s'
8 h 04 min 48 s
